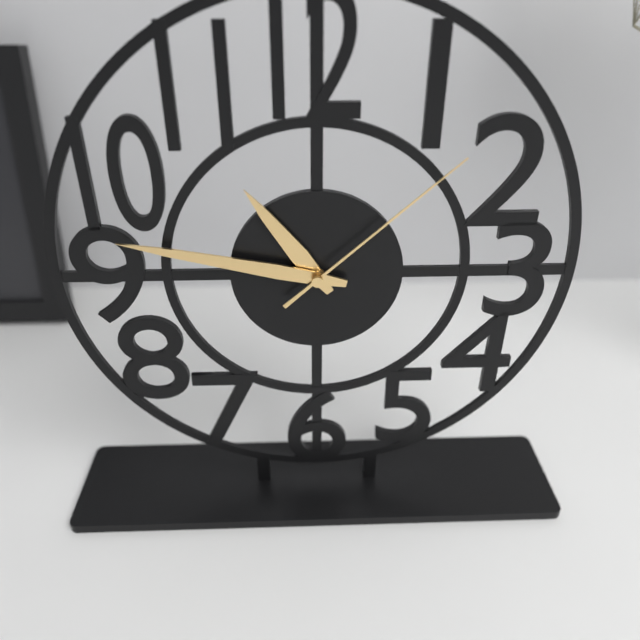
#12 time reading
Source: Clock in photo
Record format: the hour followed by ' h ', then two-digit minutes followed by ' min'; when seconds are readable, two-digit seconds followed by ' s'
10 h 47 min 08 s
